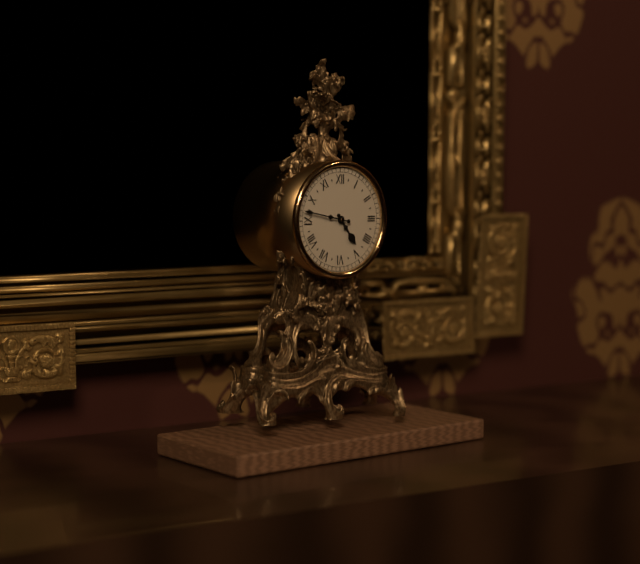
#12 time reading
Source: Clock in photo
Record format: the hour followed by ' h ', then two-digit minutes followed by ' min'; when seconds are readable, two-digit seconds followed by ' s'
4 h 47 min
